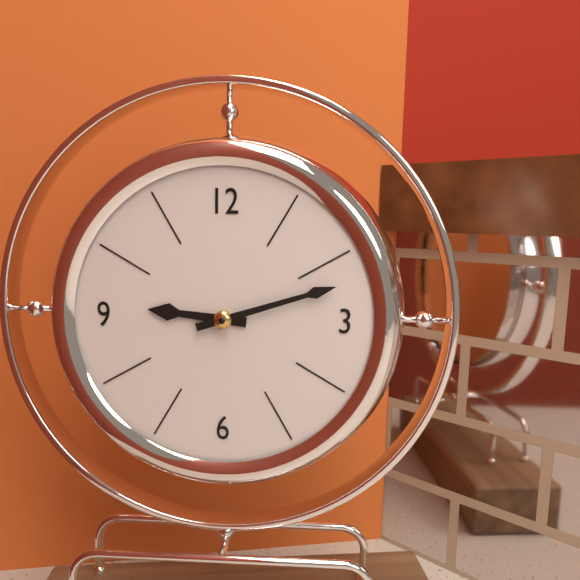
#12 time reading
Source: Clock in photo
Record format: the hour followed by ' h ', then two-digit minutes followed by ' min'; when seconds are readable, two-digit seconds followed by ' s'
9 h 12 min
